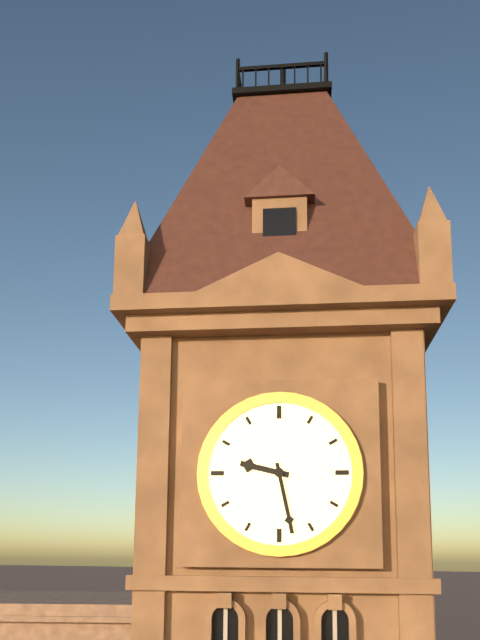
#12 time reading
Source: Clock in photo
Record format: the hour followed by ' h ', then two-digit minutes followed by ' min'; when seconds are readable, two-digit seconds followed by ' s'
9 h 28 min
